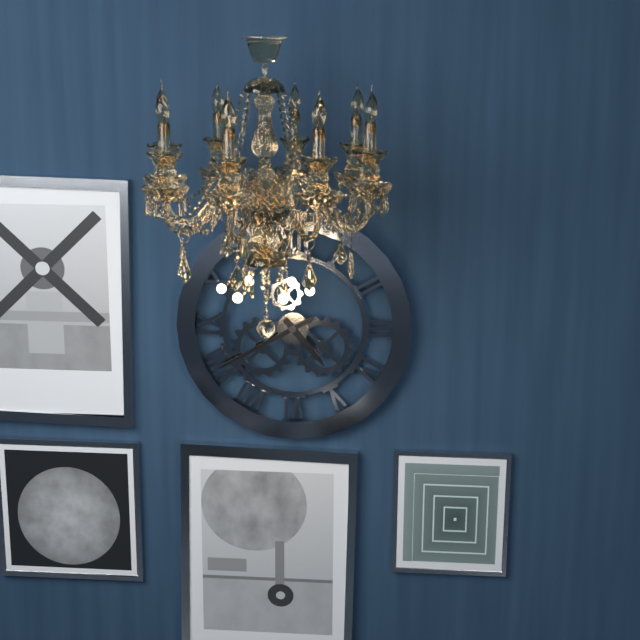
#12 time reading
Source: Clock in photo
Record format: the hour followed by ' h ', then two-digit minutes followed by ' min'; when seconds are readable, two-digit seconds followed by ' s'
4 h 40 min
